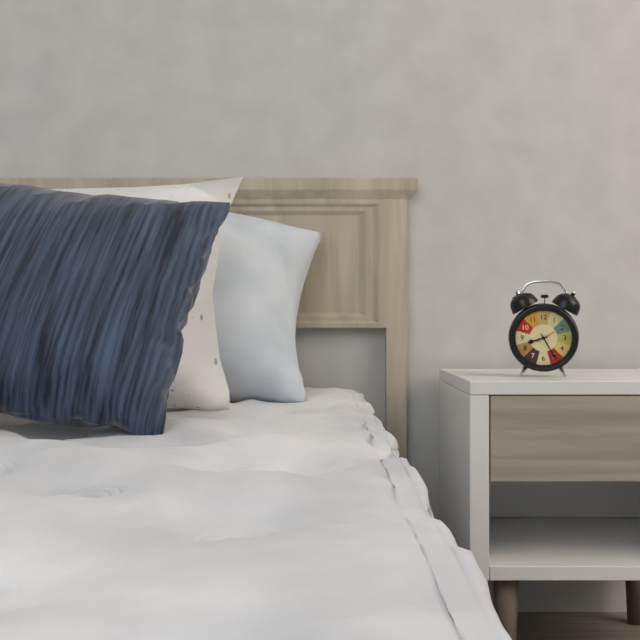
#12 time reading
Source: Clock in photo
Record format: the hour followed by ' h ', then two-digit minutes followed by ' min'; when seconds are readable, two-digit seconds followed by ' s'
8 h 25 min
